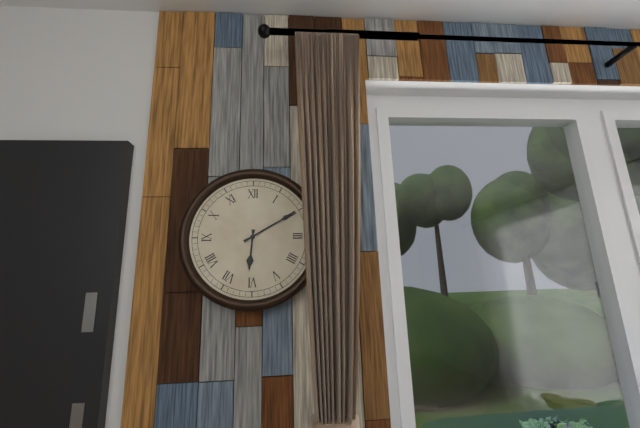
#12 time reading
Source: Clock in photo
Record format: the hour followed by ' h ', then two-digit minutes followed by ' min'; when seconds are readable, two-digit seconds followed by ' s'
6 h 10 min
